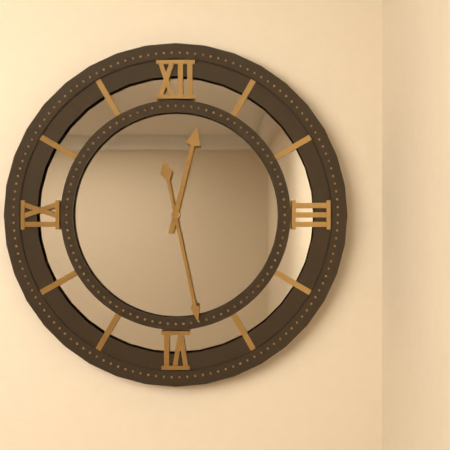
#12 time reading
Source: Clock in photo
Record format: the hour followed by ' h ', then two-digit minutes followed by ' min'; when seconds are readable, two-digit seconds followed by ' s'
12 h 28 min
